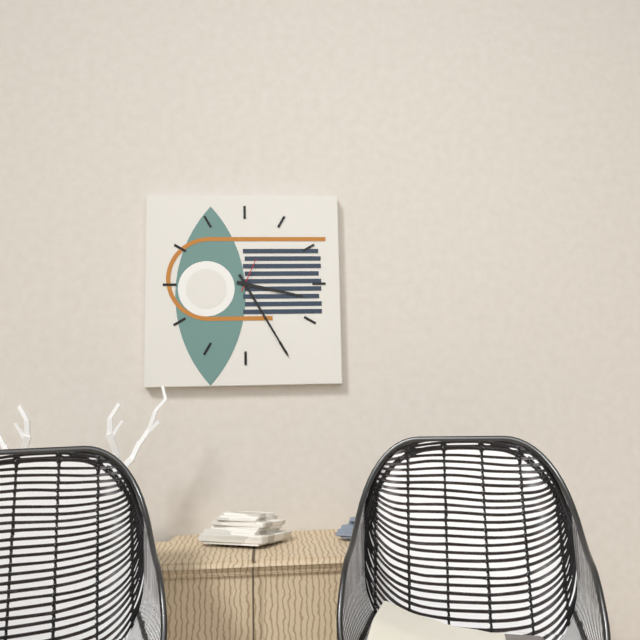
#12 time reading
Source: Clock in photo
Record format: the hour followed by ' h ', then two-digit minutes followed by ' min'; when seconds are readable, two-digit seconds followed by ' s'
3 h 25 min
